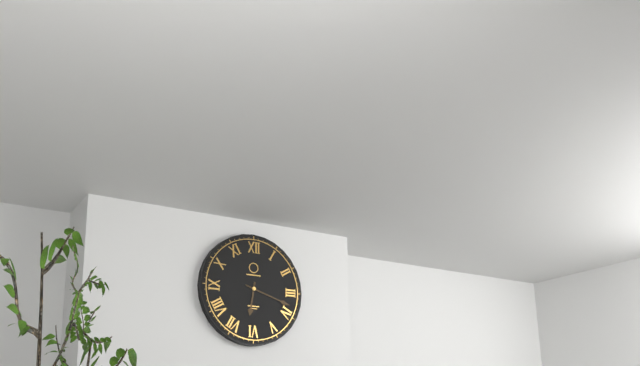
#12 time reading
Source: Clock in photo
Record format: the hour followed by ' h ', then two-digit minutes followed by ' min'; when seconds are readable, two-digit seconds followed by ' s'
6 h 18 min
